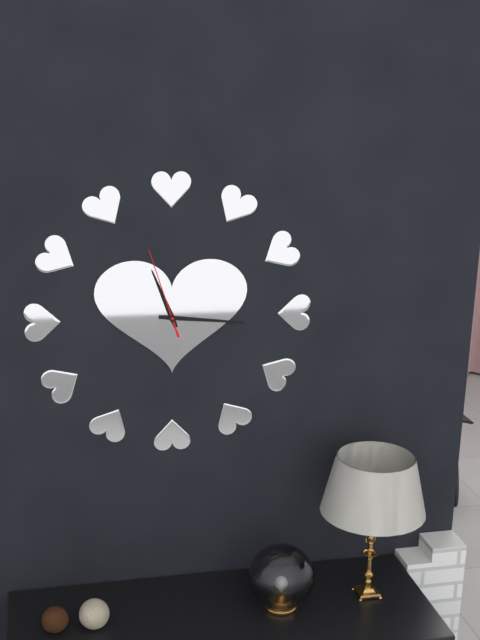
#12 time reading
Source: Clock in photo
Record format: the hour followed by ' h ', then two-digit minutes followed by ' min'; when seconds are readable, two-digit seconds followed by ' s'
11 h 16 min 57 s
